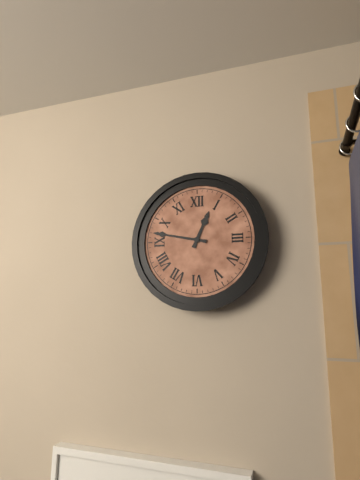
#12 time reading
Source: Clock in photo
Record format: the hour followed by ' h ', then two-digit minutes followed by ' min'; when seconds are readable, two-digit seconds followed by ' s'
12 h 47 min
